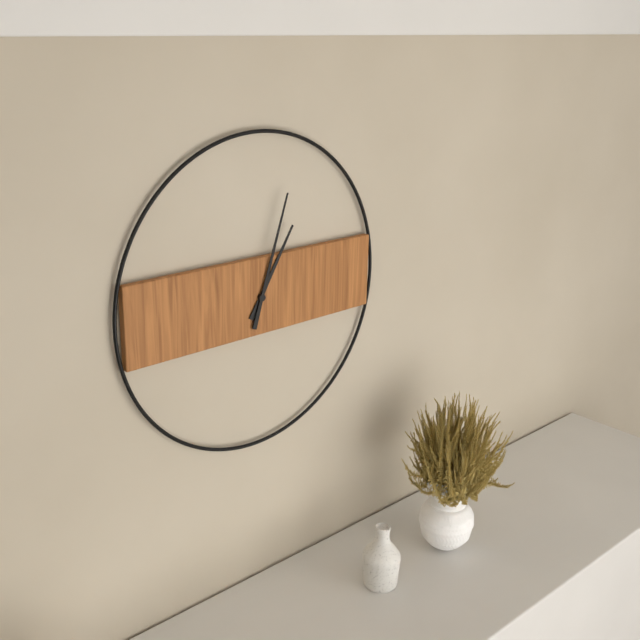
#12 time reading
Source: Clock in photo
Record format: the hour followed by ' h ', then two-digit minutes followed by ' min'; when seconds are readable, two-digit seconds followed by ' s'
1 h 03 min
